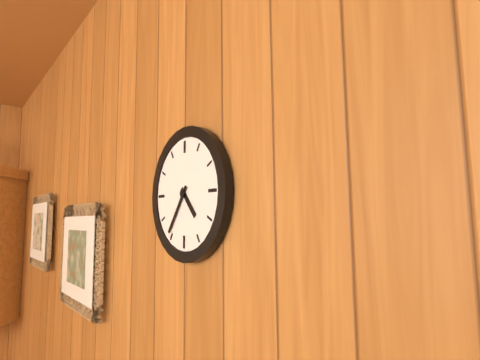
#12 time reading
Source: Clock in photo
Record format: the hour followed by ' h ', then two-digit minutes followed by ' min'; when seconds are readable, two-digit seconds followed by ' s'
4 h 36 min
